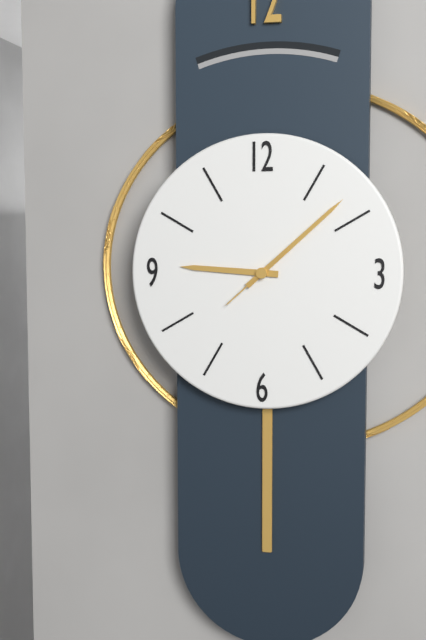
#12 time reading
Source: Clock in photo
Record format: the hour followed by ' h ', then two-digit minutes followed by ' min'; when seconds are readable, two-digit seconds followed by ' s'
9 h 08 min 38 s
